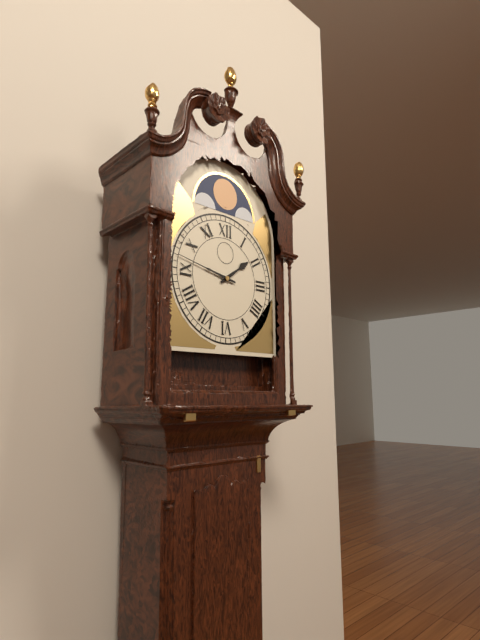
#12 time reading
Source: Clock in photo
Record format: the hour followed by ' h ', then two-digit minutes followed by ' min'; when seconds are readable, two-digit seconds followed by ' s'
1 h 47 min
